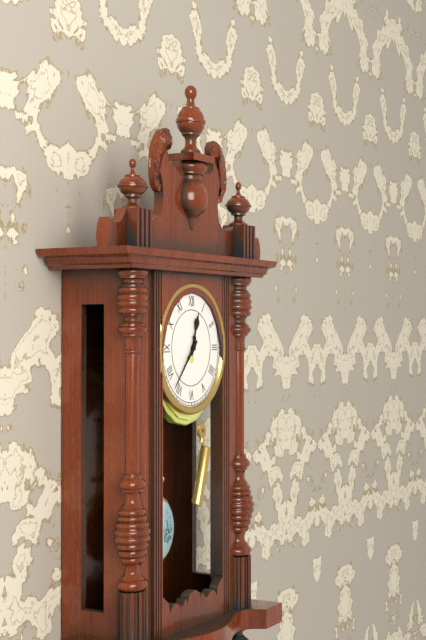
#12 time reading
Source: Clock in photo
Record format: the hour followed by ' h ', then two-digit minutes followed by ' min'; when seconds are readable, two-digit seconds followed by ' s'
12 h 37 min
